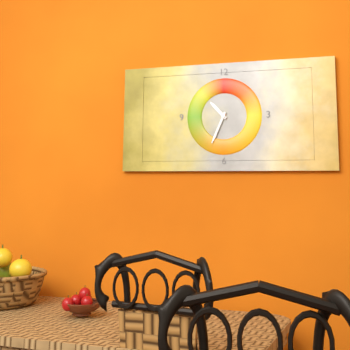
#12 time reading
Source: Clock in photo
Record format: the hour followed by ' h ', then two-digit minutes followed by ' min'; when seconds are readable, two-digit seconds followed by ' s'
10 h 34 min
